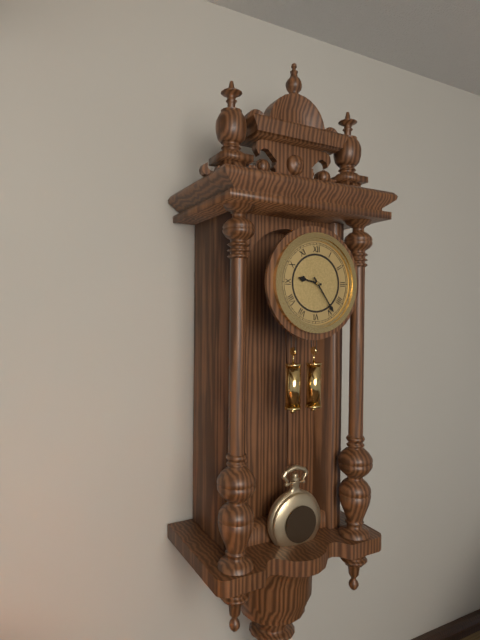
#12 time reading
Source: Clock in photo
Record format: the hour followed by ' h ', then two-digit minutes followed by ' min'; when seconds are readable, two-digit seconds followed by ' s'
9 h 24 min
